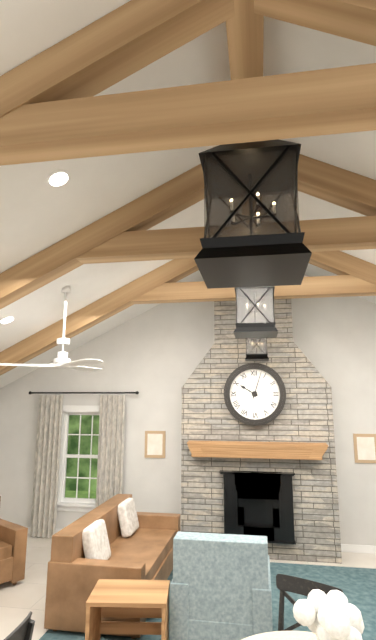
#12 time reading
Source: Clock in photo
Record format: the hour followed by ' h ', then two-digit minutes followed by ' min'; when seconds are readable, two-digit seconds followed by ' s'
10 h 03 min
